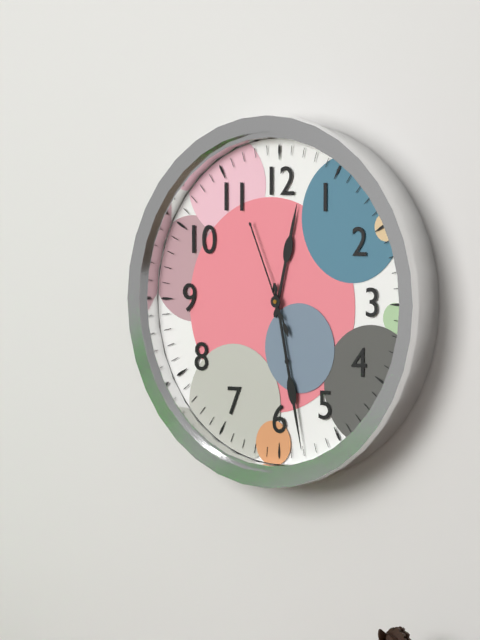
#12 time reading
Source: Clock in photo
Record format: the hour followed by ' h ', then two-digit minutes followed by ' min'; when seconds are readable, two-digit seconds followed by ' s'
12 h 28 min 56 s
